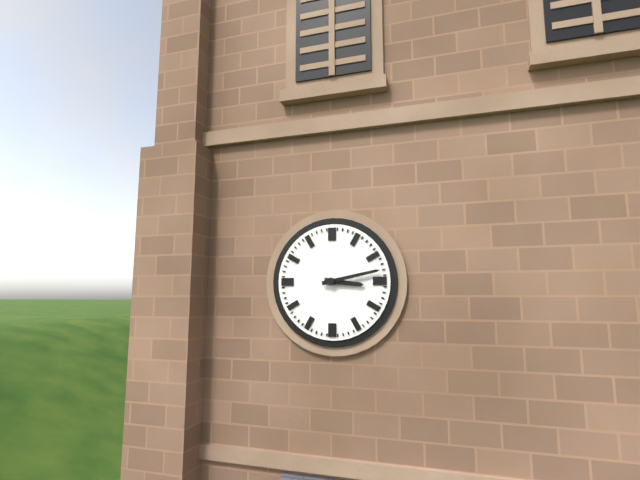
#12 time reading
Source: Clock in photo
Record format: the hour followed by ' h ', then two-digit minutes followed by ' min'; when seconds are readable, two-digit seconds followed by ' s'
3 h 13 min
